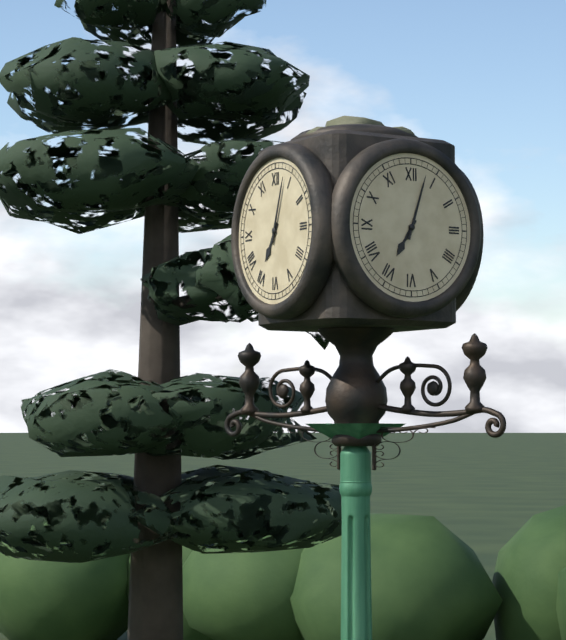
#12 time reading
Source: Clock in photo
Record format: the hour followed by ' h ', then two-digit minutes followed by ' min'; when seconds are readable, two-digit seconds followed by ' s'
7 h 03 min
